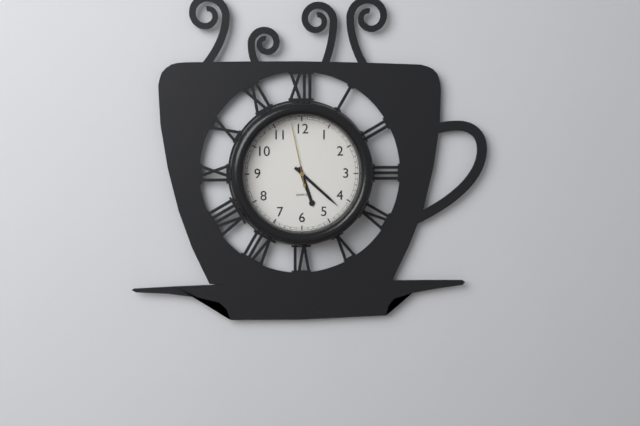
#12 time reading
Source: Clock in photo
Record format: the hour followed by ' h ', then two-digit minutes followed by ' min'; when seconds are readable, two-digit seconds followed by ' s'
5 h 22 min 58 s
